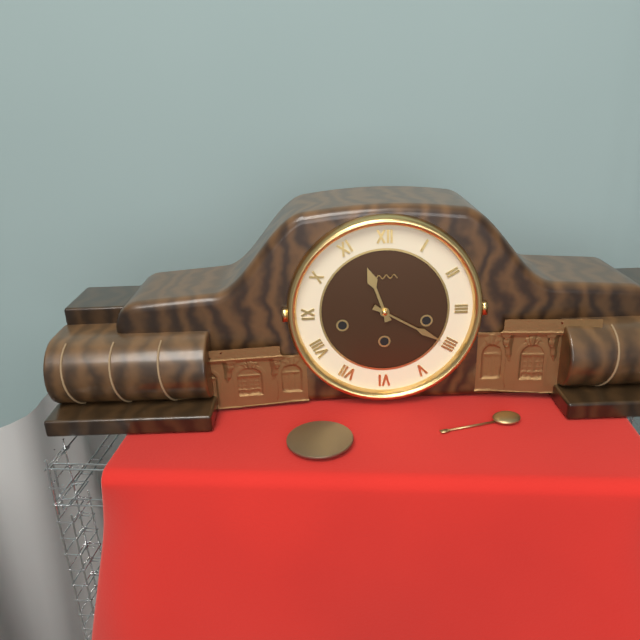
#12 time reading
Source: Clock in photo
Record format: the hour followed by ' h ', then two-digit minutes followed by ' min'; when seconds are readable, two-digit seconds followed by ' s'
11 h 20 min
